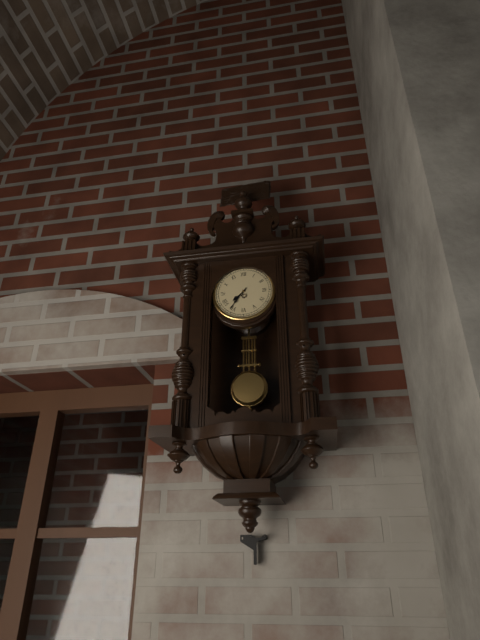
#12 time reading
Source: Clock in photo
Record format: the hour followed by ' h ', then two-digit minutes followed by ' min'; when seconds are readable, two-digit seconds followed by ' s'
7 h 36 min
